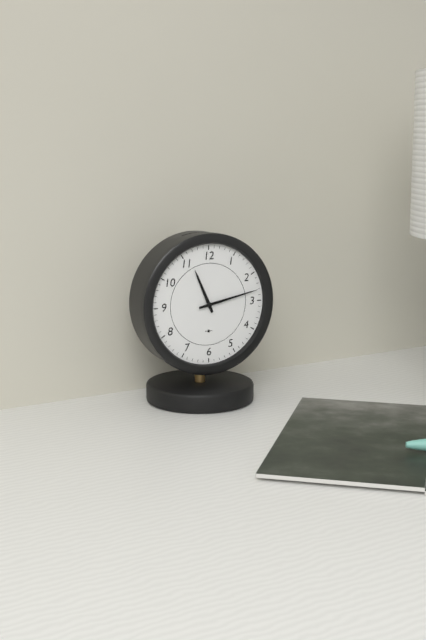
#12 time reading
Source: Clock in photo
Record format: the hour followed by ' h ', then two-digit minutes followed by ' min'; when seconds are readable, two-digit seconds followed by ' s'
11 h 13 min
